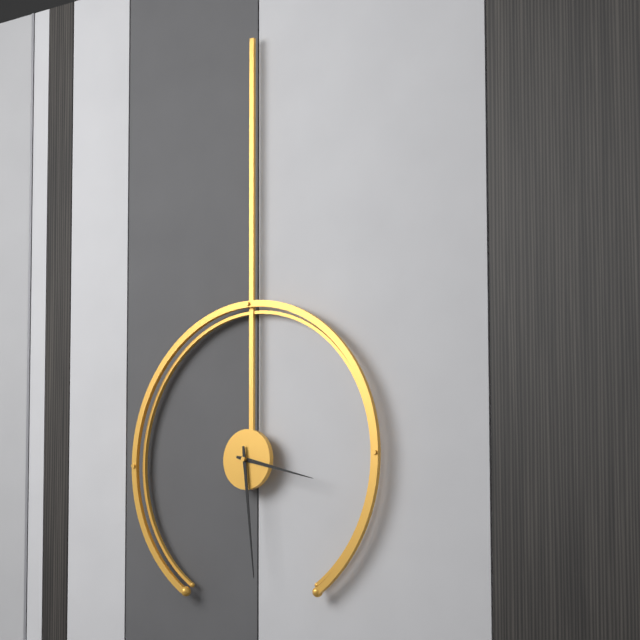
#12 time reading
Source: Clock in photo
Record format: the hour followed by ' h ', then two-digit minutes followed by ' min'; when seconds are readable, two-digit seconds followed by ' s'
3 h 29 min
